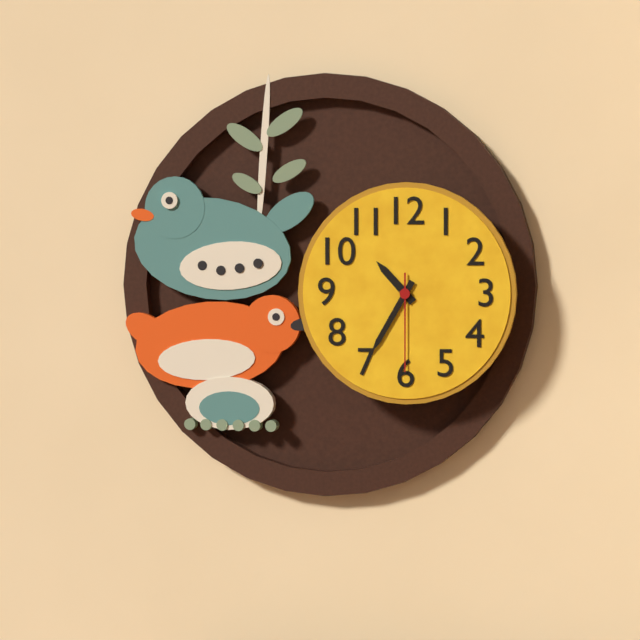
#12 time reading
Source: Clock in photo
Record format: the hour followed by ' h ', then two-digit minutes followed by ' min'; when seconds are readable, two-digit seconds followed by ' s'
10 h 35 min 30 s
